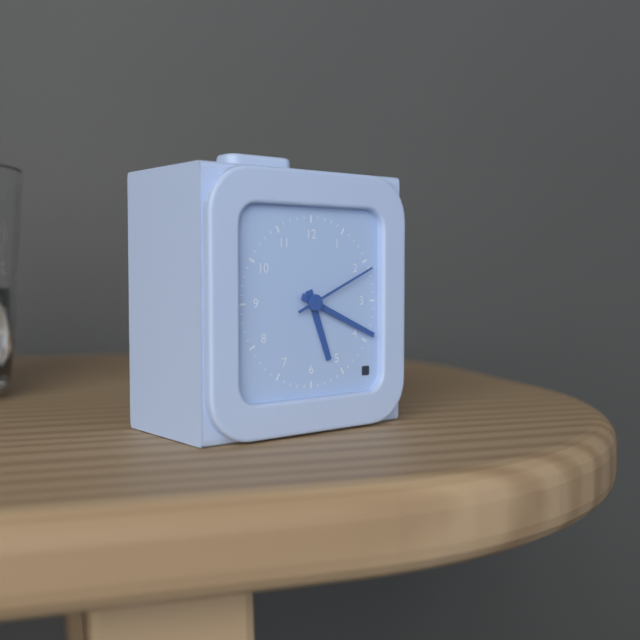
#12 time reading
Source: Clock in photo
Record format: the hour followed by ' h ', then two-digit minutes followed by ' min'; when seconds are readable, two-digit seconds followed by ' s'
5 h 19 min 11 s
